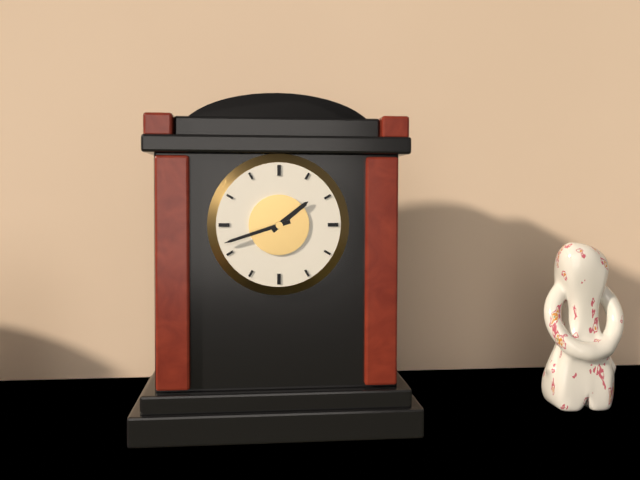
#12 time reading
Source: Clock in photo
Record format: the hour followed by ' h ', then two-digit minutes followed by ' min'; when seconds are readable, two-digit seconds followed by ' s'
1 h 42 min
